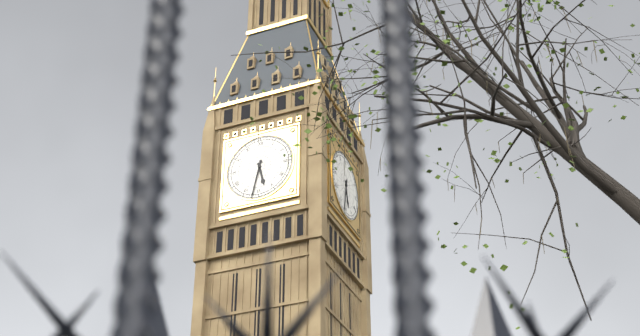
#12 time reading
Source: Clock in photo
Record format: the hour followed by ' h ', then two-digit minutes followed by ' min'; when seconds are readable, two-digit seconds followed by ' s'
5 h 32 min
